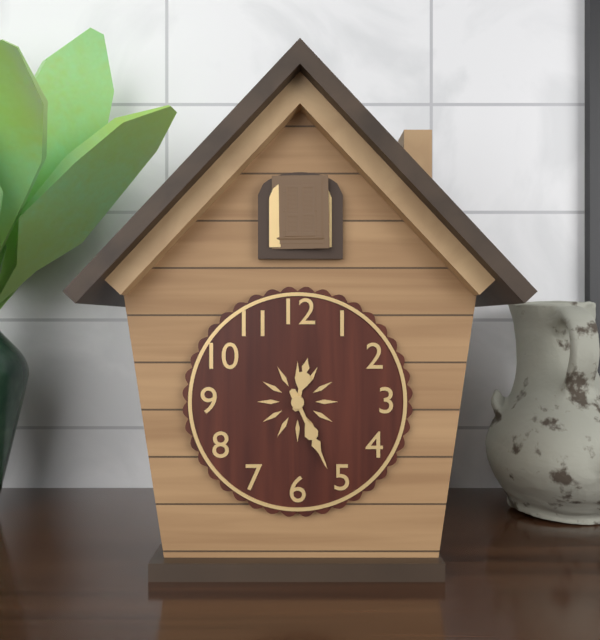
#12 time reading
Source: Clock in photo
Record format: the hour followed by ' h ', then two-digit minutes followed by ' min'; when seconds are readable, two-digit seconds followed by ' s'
12 h 26 min
